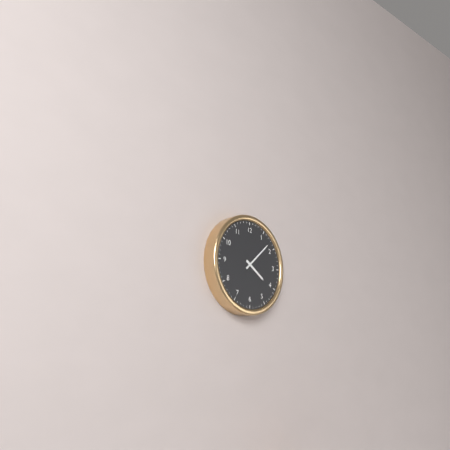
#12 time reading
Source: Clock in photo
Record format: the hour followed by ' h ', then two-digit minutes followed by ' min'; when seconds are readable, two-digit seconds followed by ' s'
4 h 08 min
